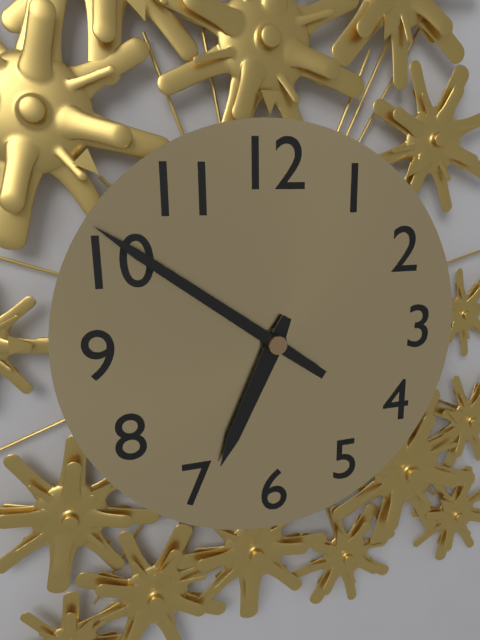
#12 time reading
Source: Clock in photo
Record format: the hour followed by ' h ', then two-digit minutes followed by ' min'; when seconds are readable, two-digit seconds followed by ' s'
6 h 51 min
